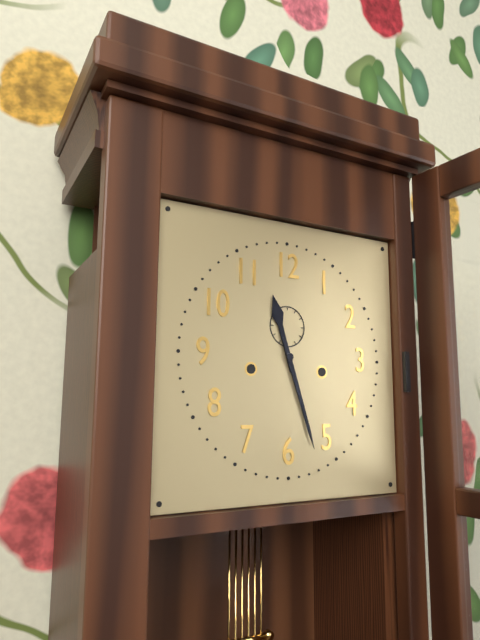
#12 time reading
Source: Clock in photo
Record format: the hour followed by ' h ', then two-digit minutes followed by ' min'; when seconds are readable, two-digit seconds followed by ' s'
11 h 27 min
